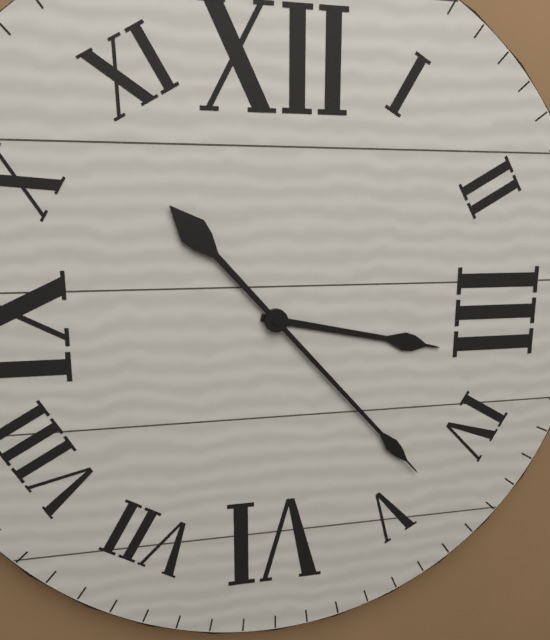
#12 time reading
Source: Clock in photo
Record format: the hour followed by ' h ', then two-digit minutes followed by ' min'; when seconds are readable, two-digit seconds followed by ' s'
3 h 23 min
